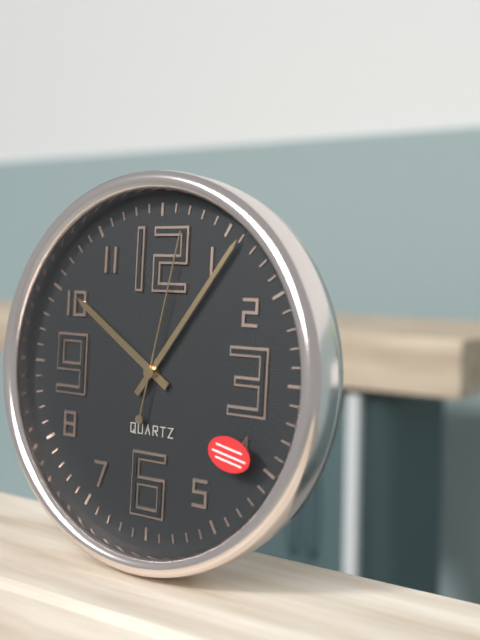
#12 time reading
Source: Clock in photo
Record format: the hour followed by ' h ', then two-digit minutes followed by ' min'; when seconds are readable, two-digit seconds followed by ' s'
10 h 06 min 02 s
